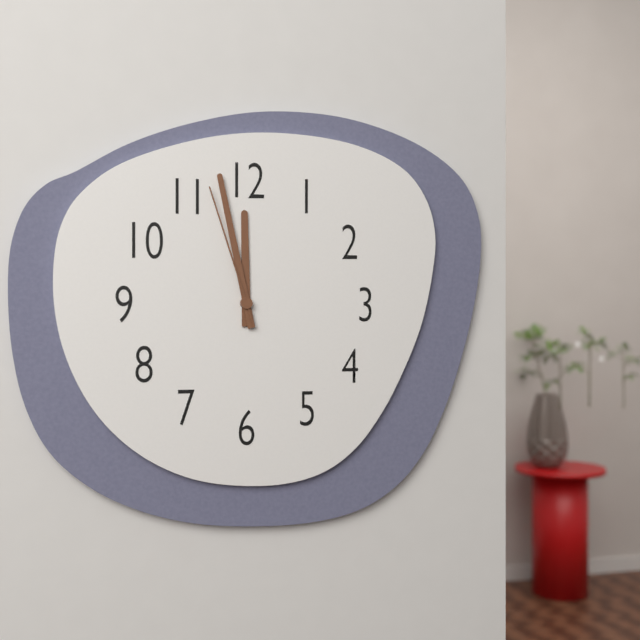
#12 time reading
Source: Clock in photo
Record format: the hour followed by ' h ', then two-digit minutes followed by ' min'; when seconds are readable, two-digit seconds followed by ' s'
11 h 58 min 57 s
